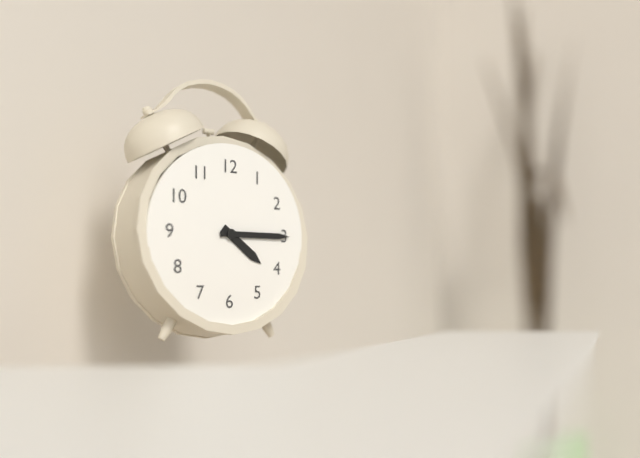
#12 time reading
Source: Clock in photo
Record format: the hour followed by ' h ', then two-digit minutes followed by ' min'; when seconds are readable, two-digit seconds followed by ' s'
4 h 15 min
